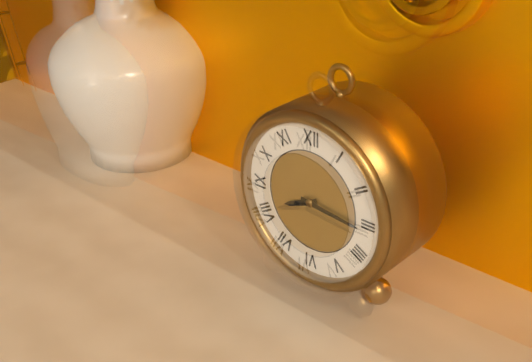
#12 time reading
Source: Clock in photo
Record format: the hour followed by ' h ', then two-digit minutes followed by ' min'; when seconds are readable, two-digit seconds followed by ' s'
8 h 16 min
